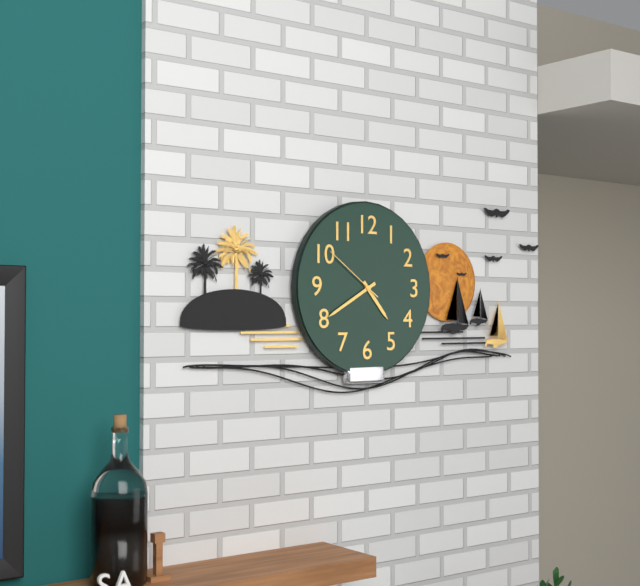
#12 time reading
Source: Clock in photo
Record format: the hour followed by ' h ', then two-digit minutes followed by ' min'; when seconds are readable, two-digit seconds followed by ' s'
4 h 40 min 51 s
